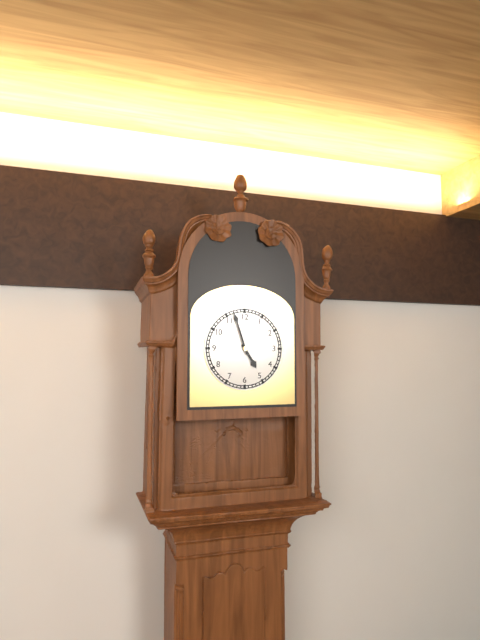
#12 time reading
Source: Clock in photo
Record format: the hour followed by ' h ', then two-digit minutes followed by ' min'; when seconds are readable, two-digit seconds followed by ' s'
4 h 57 min
